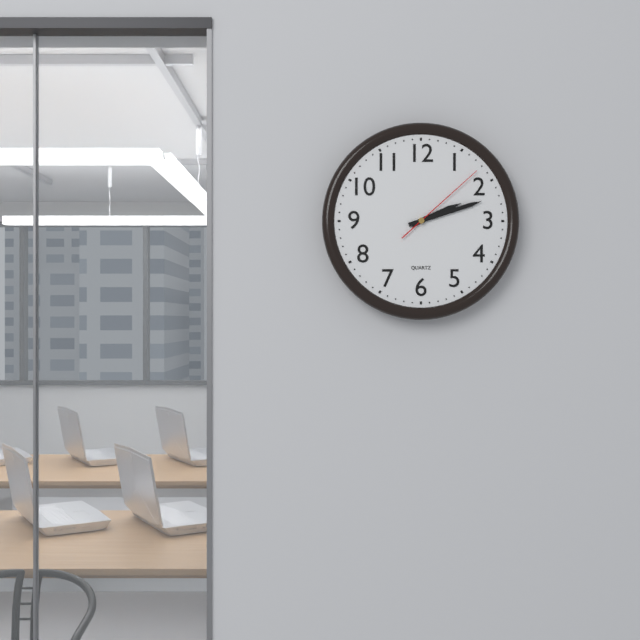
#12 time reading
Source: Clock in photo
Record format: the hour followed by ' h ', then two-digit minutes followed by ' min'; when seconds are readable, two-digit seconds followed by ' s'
2 h 12 min 08 s
